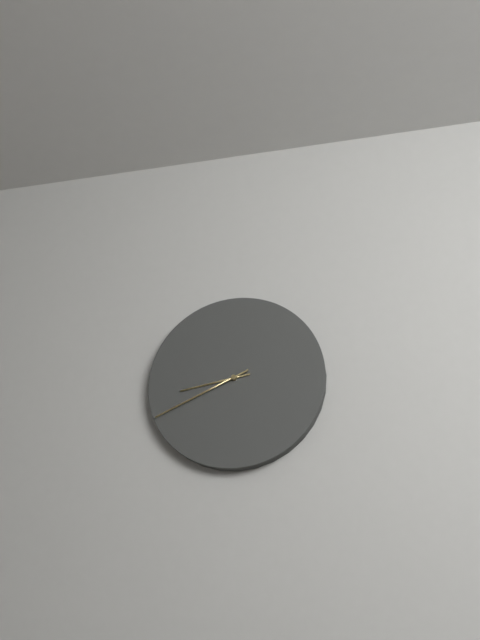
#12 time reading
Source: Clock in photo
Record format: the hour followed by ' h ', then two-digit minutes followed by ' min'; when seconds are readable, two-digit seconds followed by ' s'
8 h 41 min
